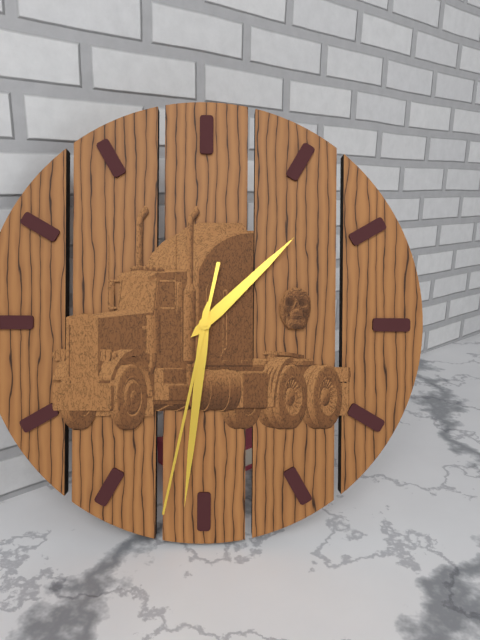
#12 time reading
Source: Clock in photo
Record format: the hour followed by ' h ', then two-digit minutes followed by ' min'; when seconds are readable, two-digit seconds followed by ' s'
1 h 31 min 32 s
